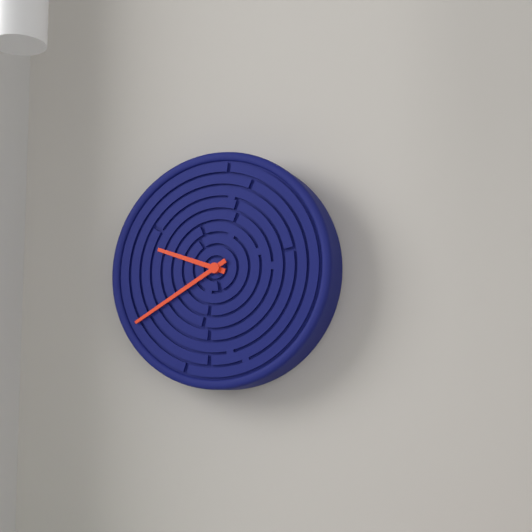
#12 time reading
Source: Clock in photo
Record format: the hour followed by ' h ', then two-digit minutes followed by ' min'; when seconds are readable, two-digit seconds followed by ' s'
9 h 40 min
